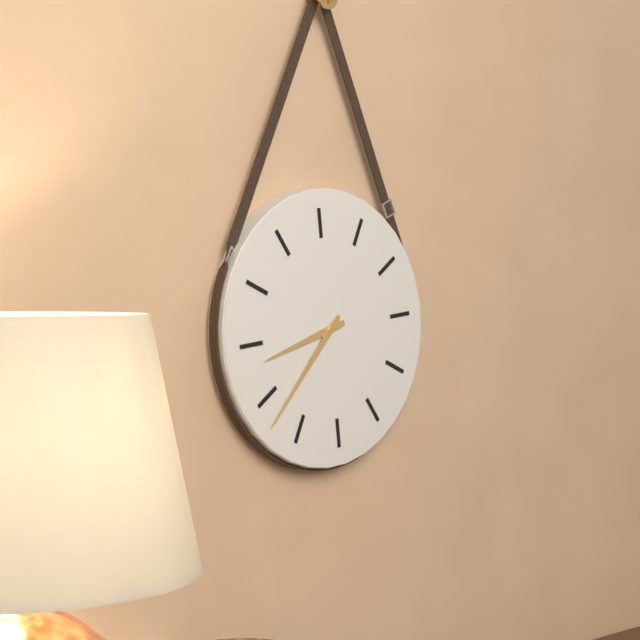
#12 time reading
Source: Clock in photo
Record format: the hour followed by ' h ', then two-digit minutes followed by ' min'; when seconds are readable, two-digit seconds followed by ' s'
8 h 38 min
